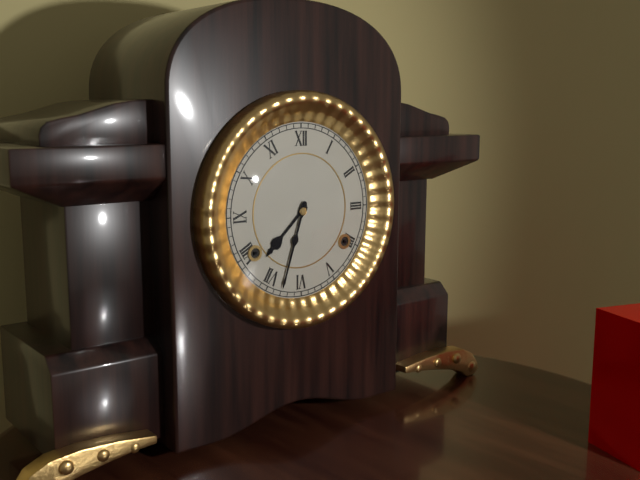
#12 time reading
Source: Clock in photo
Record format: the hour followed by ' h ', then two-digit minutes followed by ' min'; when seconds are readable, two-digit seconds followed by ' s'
7 h 33 min
